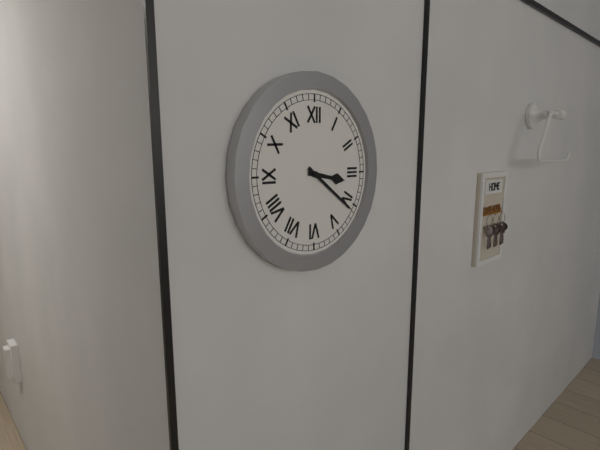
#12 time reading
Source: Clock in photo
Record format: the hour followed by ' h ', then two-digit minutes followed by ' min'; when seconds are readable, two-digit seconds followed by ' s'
3 h 21 min
